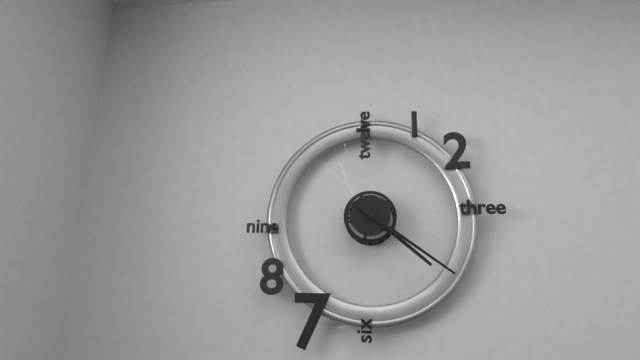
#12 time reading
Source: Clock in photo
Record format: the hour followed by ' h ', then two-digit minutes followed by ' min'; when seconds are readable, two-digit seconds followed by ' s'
4 h 21 min
